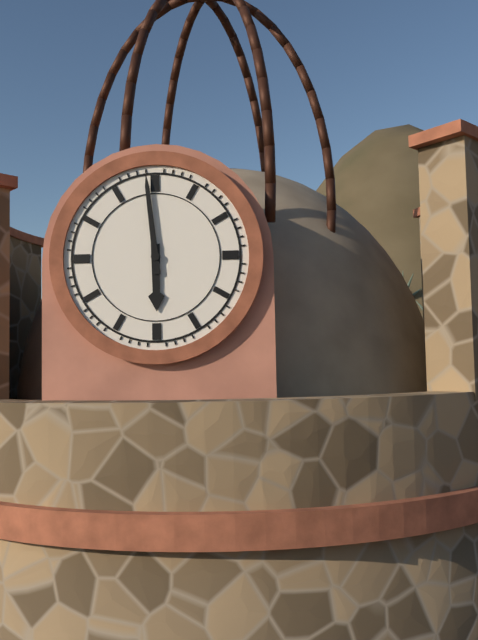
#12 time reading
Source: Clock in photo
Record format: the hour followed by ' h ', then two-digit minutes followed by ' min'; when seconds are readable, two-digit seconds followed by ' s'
5 h 59 min
